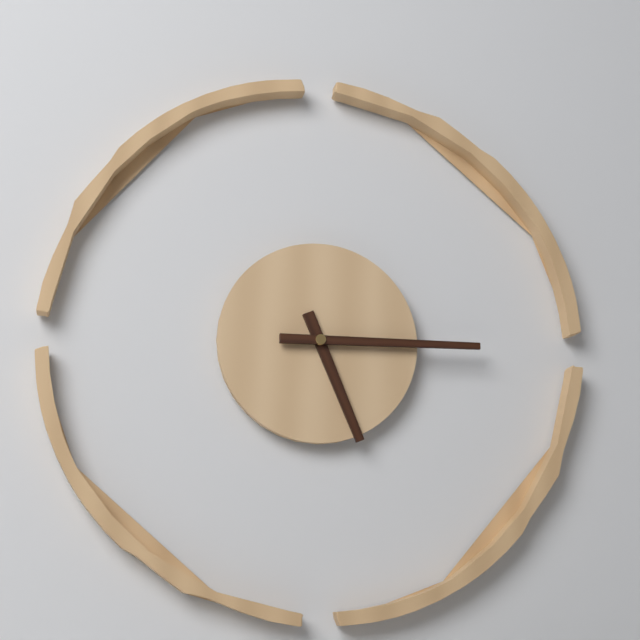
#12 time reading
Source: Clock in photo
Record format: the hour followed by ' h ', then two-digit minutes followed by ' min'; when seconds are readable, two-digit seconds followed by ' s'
5 h 15 min
